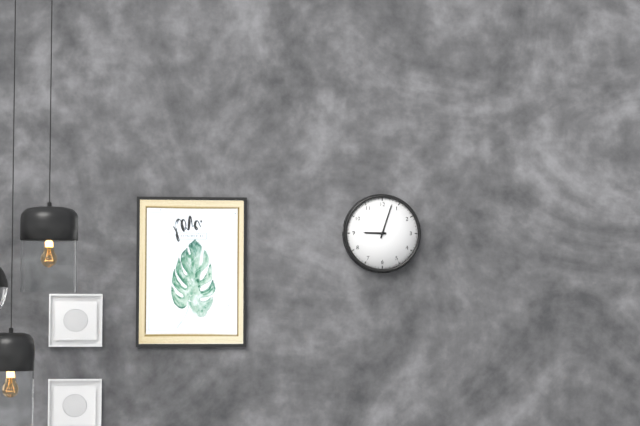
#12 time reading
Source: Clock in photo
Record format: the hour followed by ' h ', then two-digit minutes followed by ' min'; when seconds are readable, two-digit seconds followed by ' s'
9 h 03 min
